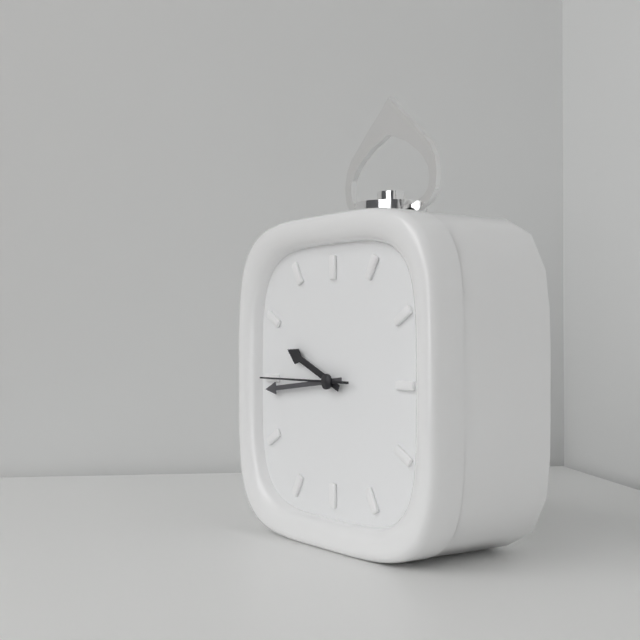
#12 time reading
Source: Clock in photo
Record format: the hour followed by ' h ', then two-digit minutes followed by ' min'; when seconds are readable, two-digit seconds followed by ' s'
9 h 44 min 45 s
